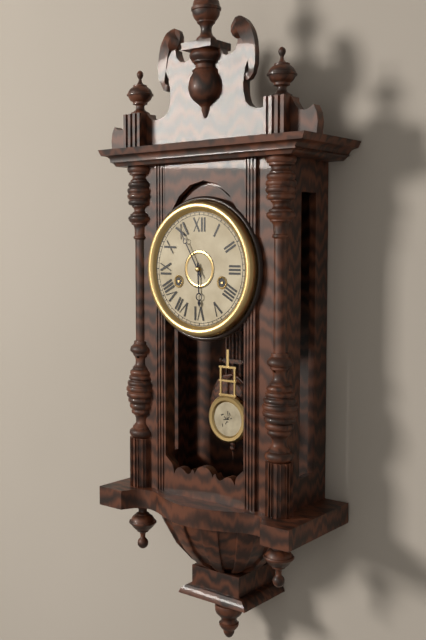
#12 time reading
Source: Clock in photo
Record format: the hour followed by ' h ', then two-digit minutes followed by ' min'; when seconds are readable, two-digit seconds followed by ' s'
5 h 55 min
